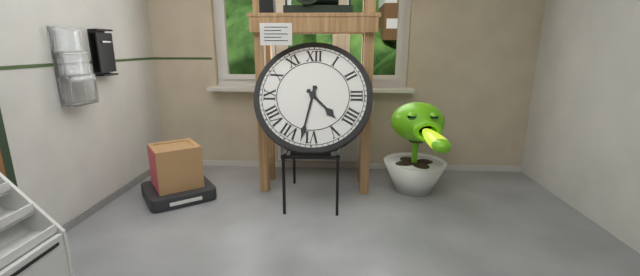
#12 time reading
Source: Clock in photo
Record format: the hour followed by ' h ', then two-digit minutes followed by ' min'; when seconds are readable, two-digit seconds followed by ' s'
4 h 32 min
